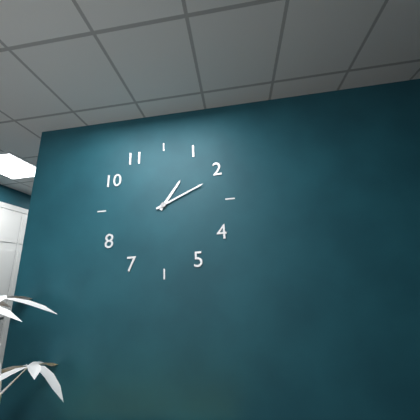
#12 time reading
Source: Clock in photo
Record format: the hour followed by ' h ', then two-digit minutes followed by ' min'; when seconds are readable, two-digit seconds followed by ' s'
1 h 11 min
